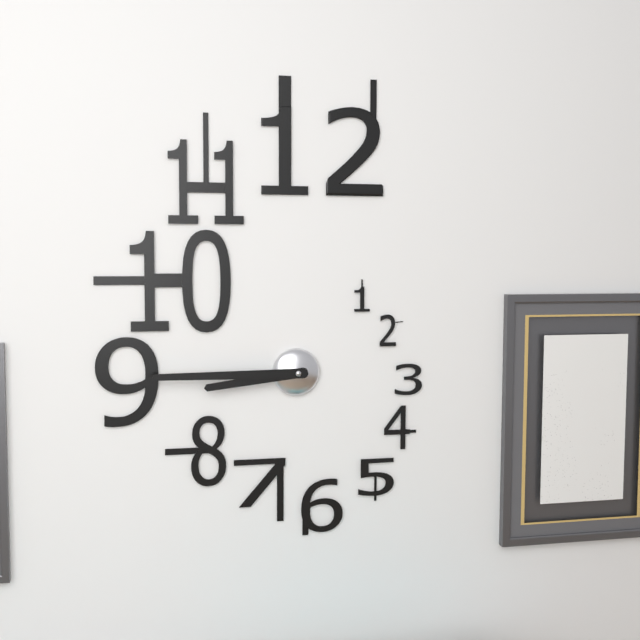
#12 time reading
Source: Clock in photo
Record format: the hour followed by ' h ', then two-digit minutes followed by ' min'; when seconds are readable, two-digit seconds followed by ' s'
8 h 45 min
